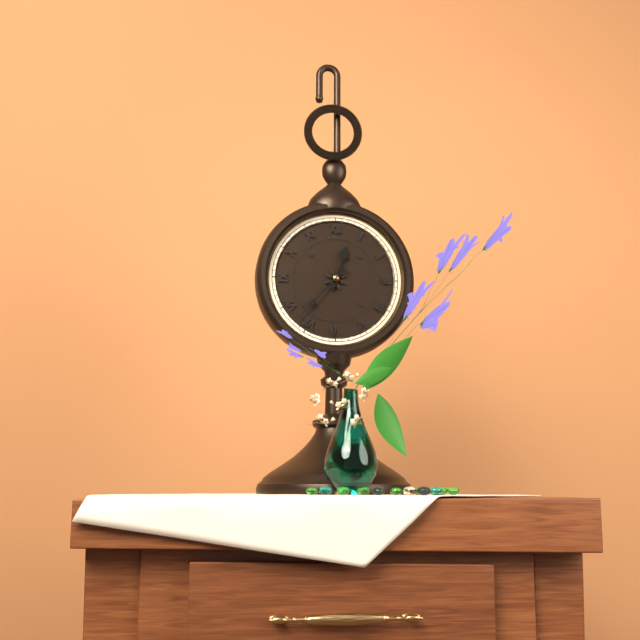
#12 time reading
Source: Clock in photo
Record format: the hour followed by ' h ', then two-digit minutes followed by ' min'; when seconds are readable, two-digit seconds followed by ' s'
12 h 37 min
